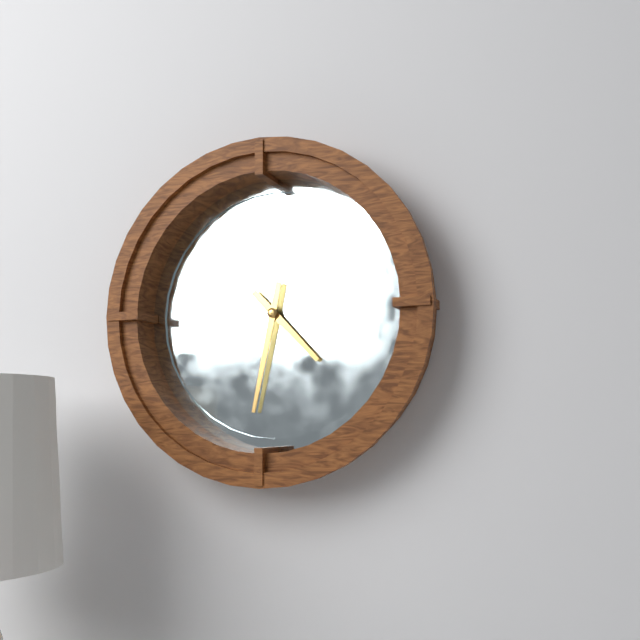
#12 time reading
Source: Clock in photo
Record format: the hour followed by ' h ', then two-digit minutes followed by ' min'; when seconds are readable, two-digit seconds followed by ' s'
4 h 32 min
